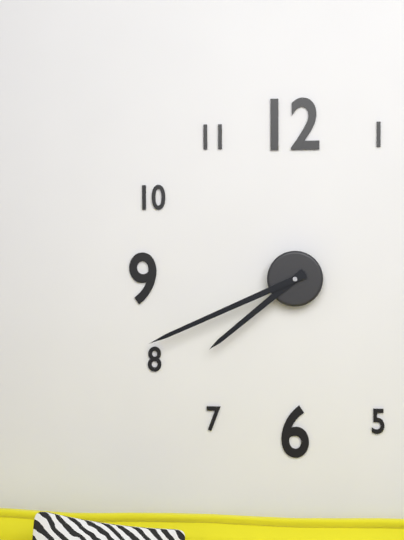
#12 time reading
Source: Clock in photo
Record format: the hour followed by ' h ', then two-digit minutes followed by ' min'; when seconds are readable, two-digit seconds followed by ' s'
7 h 41 min
